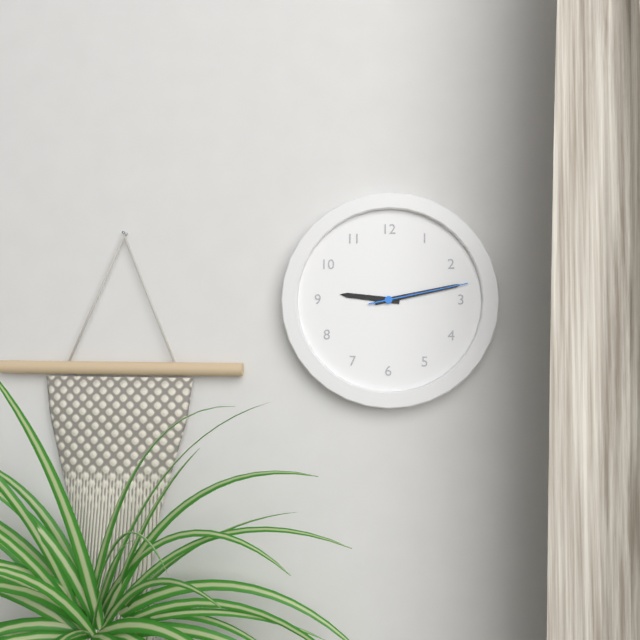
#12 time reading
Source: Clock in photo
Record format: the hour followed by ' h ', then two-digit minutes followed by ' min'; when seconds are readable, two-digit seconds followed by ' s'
9 h 13 min 13 s
